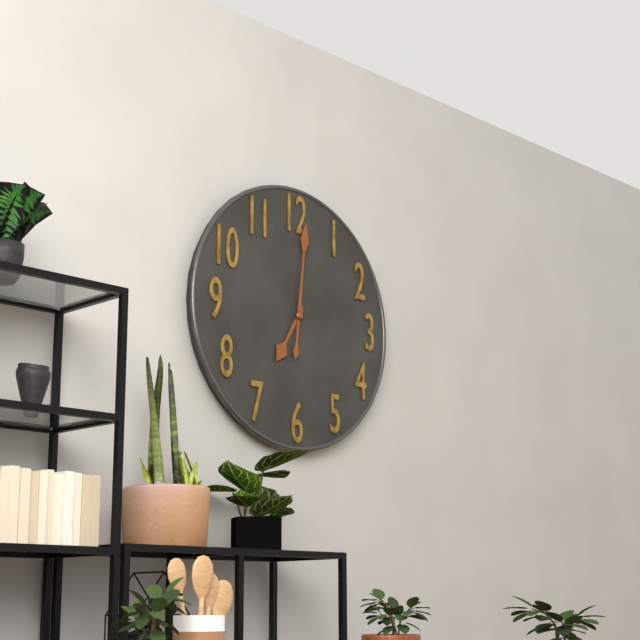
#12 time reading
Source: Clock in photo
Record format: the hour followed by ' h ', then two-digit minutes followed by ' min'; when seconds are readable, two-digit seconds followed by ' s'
7 h 01 min
